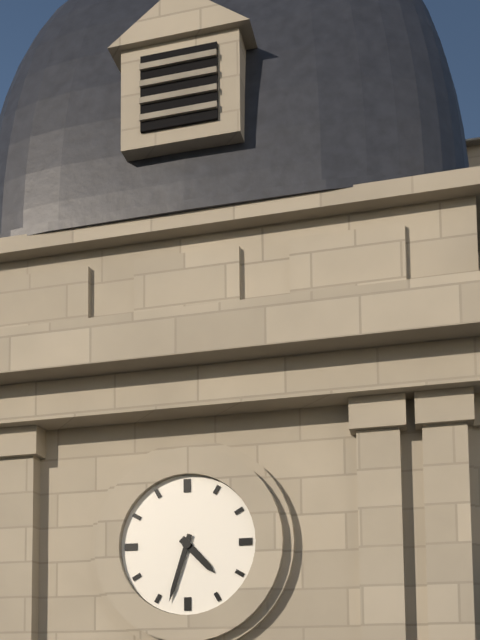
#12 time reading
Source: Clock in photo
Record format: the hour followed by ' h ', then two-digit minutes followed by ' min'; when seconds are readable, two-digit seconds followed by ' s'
4 h 33 min
